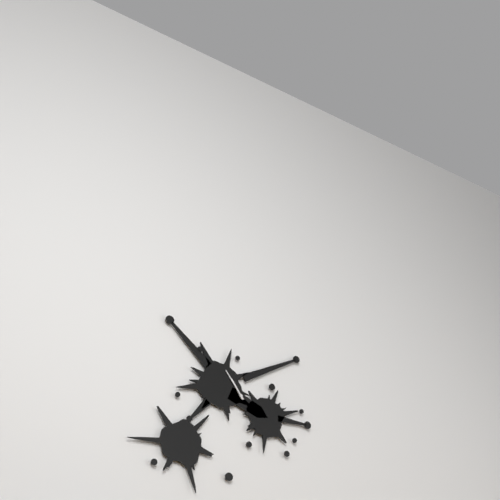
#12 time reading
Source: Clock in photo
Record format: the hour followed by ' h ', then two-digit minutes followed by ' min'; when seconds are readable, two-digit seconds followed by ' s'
10 h 54 min
